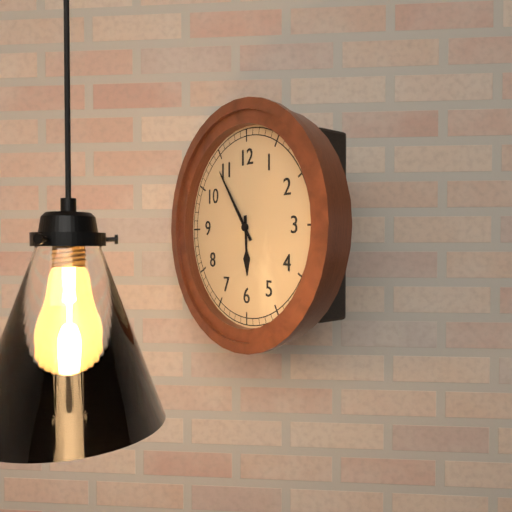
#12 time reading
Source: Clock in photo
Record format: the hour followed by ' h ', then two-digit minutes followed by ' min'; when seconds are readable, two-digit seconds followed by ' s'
5 h 54 min
